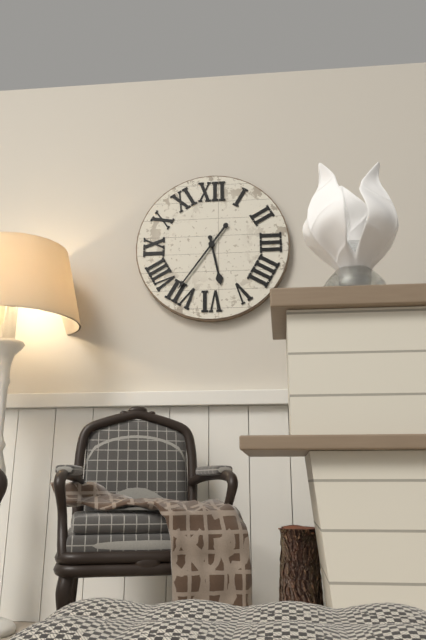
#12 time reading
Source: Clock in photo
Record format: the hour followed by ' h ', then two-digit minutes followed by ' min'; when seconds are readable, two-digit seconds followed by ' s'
5 h 36 min
